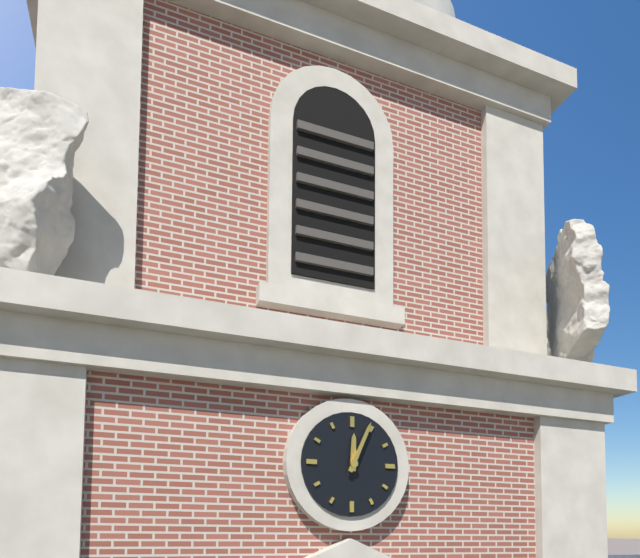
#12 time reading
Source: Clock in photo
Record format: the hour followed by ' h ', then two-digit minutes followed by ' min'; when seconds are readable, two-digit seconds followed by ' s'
12 h 04 min
